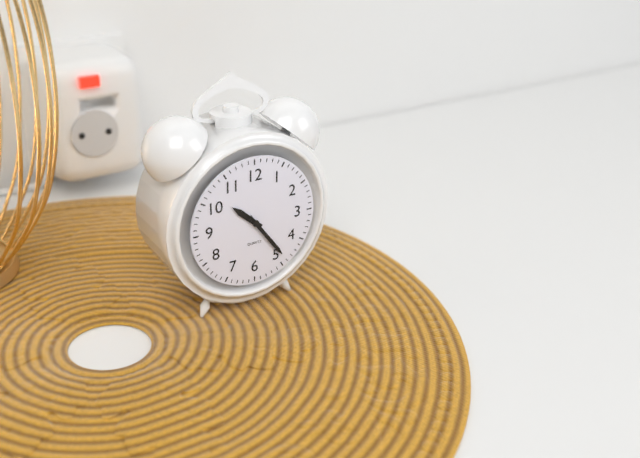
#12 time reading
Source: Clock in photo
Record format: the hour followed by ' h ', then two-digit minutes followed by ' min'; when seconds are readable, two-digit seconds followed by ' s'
10 h 24 min
